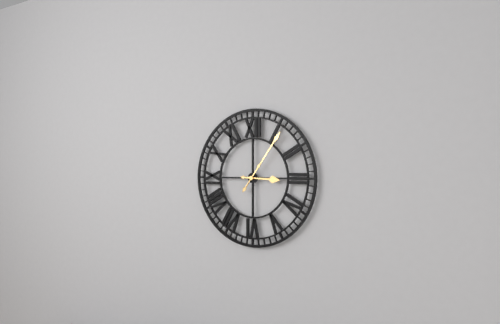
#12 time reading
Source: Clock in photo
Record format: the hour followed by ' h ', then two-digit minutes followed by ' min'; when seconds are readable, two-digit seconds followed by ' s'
3 h 06 min
